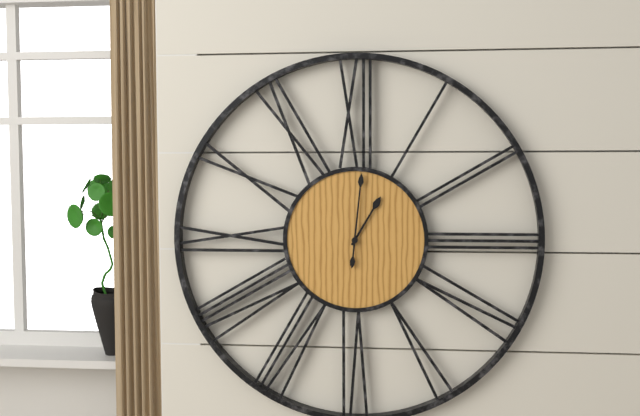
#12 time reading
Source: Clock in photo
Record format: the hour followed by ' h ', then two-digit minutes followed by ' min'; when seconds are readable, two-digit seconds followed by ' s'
1 h 01 min
